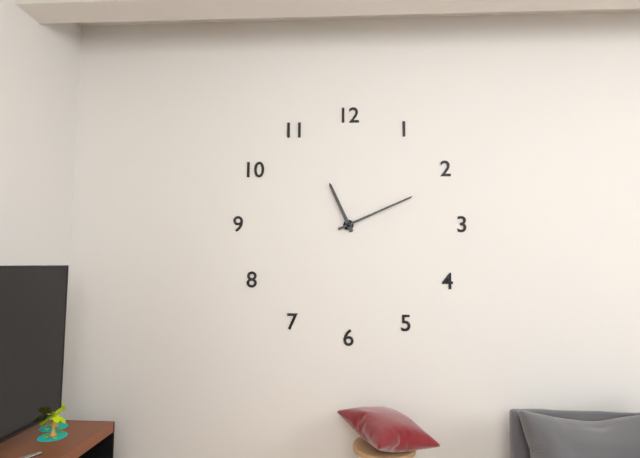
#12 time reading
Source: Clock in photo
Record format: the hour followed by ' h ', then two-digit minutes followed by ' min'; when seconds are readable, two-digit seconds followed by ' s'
11 h 11 min
